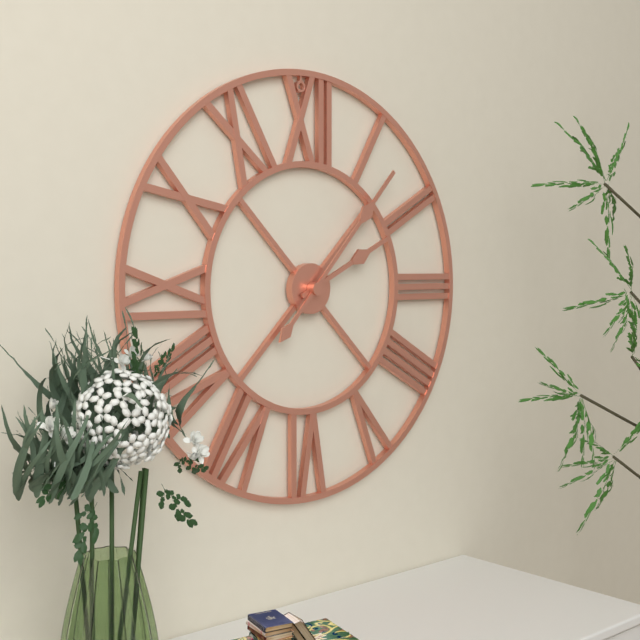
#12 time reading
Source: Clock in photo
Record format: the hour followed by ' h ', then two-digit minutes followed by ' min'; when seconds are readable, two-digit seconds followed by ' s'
2 h 07 min
